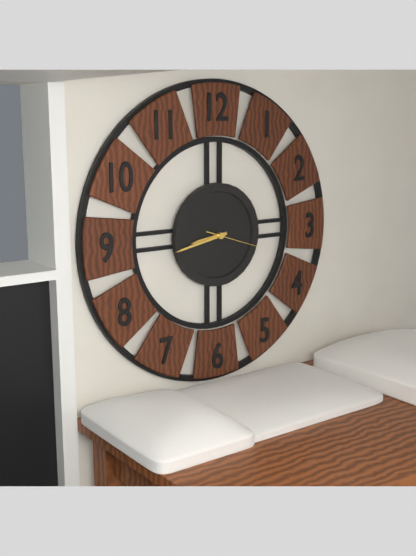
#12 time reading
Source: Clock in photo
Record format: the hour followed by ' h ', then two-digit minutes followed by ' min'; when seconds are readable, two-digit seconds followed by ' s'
8 h 43 min
